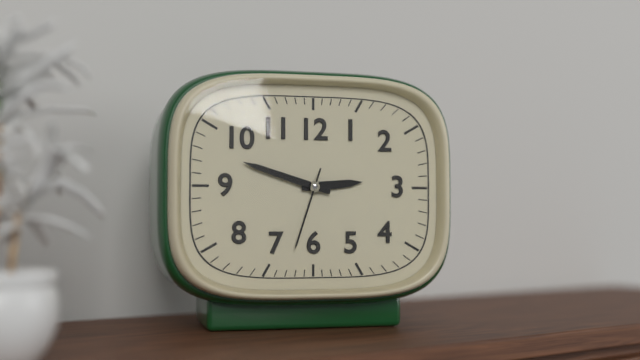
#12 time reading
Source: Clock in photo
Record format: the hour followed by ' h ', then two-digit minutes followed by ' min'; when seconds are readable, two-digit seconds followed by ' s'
2 h 48 min 33 s
